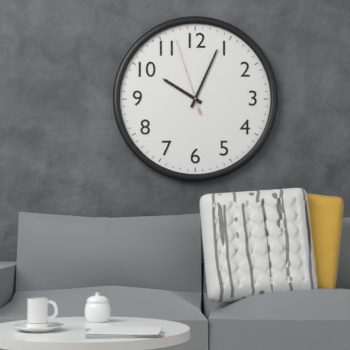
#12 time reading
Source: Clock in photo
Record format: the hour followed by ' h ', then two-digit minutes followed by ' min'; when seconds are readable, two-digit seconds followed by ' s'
10 h 04 min 57 s
